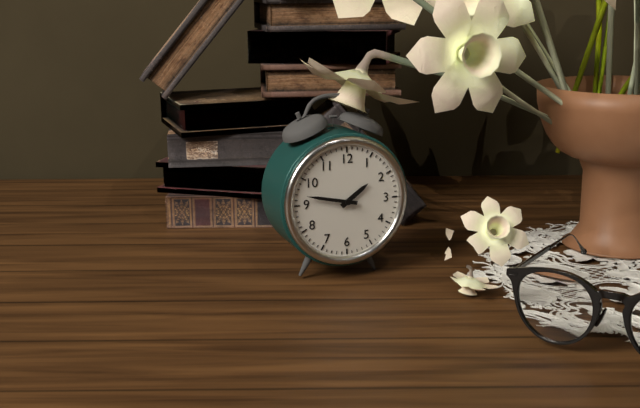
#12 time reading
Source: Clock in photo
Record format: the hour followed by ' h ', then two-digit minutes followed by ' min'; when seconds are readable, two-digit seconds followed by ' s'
1 h 47 min
